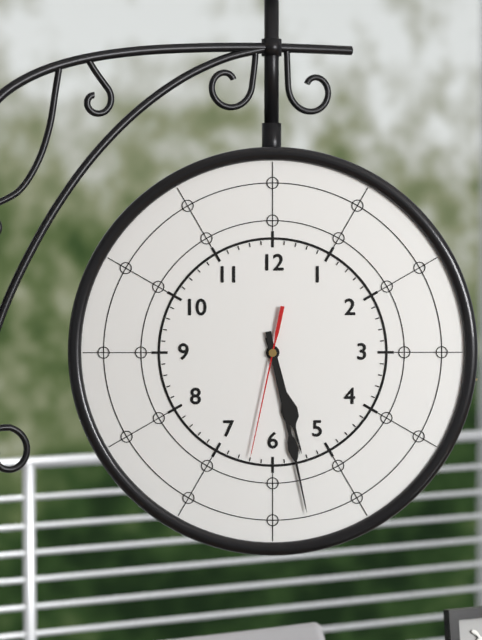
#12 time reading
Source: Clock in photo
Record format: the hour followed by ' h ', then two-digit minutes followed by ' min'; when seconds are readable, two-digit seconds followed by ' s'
5 h 28 min 32 s
